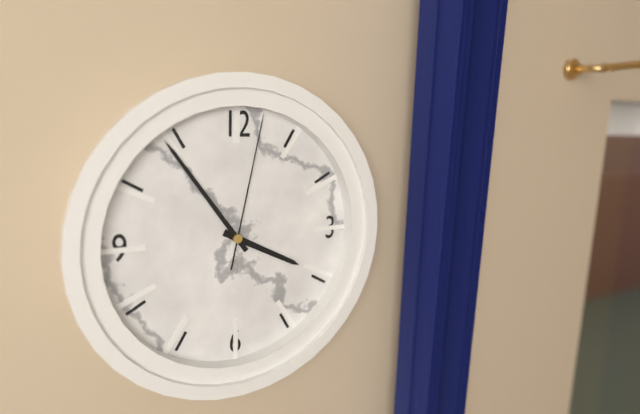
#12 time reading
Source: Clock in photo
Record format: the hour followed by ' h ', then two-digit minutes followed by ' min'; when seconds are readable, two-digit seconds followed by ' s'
3 h 54 min 02 s
